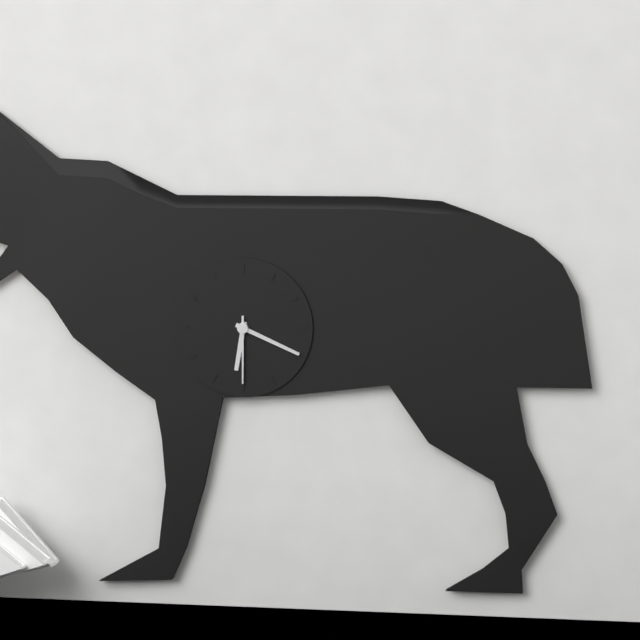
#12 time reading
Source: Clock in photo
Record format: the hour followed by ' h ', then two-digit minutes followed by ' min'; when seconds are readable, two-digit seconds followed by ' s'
6 h 19 min 30 s
